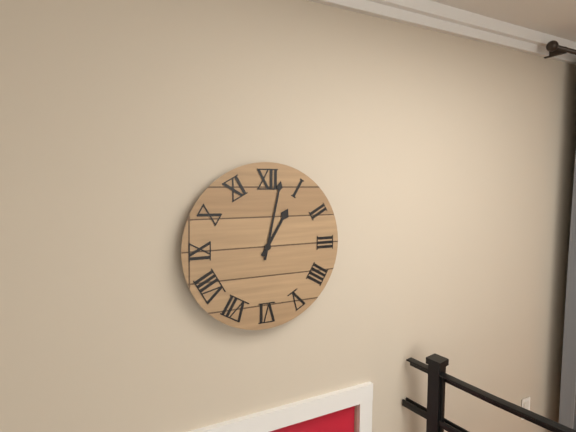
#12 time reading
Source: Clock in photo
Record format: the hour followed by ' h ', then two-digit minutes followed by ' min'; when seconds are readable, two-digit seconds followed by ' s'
1 h 02 min
